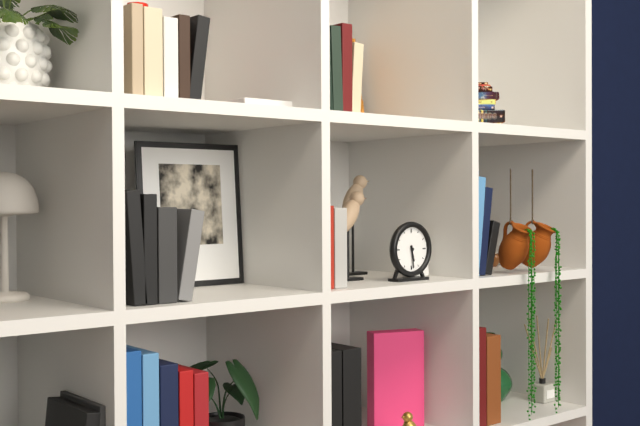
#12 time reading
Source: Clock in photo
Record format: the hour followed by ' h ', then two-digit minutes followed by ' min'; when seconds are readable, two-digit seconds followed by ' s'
5 h 29 min
